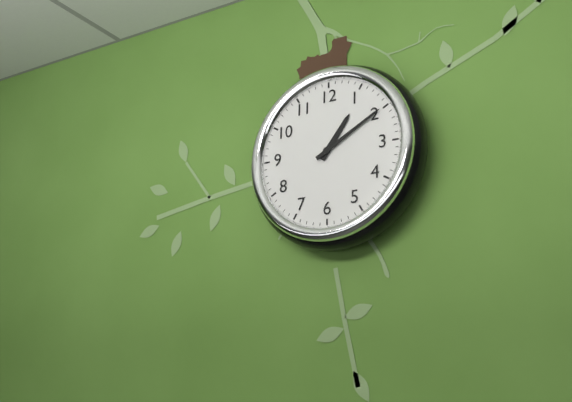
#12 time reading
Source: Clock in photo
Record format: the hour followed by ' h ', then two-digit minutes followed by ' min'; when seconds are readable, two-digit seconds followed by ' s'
1 h 10 min
